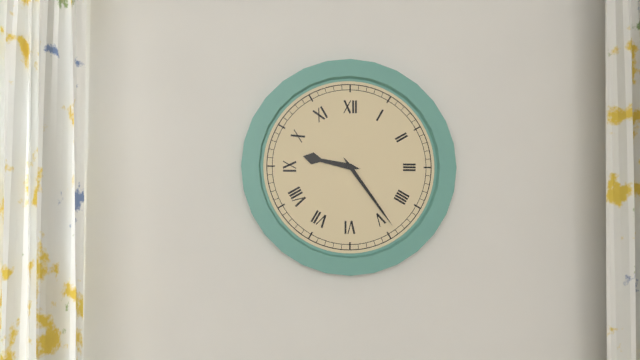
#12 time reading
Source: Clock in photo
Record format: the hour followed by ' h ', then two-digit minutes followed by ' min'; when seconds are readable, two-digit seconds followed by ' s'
9 h 24 min
